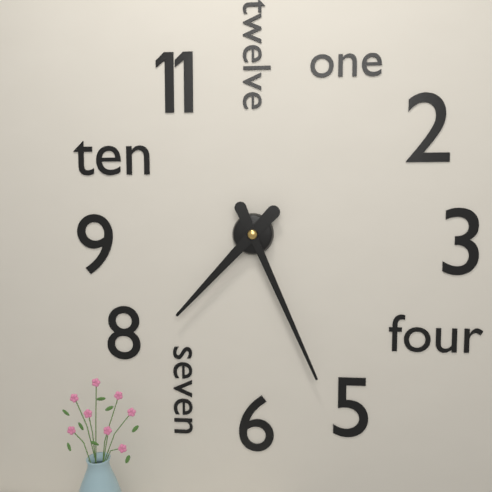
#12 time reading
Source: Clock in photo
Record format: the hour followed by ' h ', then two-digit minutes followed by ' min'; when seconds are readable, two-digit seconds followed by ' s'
7 h 26 min
